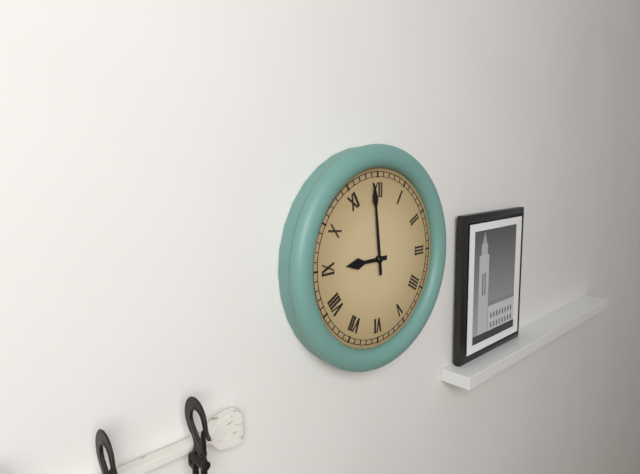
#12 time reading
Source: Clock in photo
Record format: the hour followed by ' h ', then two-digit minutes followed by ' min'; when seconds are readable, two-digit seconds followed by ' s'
8 h 59 min
